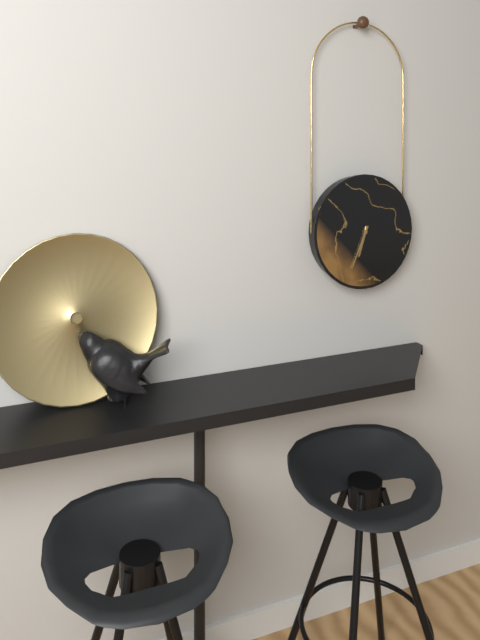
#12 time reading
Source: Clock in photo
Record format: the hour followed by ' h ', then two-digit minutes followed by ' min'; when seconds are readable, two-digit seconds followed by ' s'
6 h 34 min
